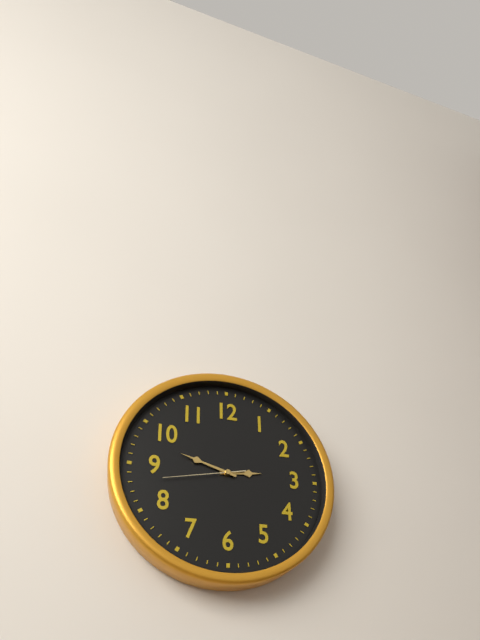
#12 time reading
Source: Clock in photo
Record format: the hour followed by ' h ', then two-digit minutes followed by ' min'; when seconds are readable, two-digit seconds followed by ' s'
2 h 48 min 43 s
